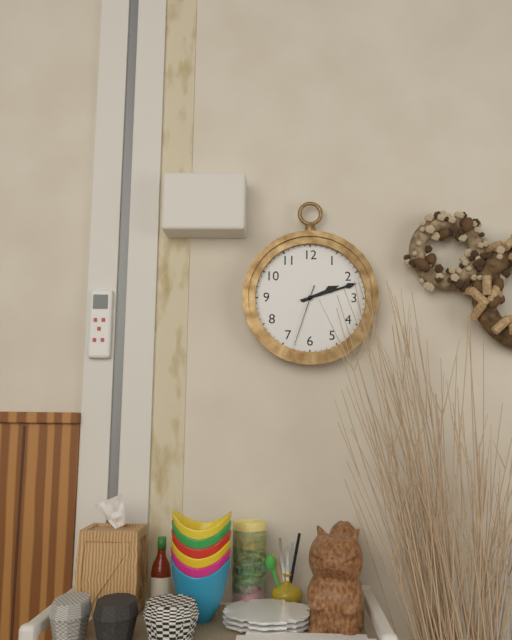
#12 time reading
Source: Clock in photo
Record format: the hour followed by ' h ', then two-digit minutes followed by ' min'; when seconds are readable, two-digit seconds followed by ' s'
2 h 12 min 33 s
